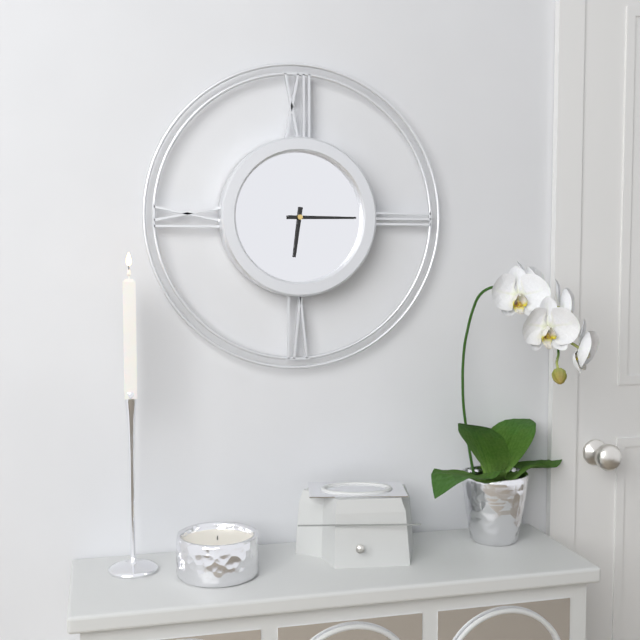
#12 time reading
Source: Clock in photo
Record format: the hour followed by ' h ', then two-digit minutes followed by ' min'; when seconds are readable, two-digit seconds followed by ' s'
6 h 15 min
